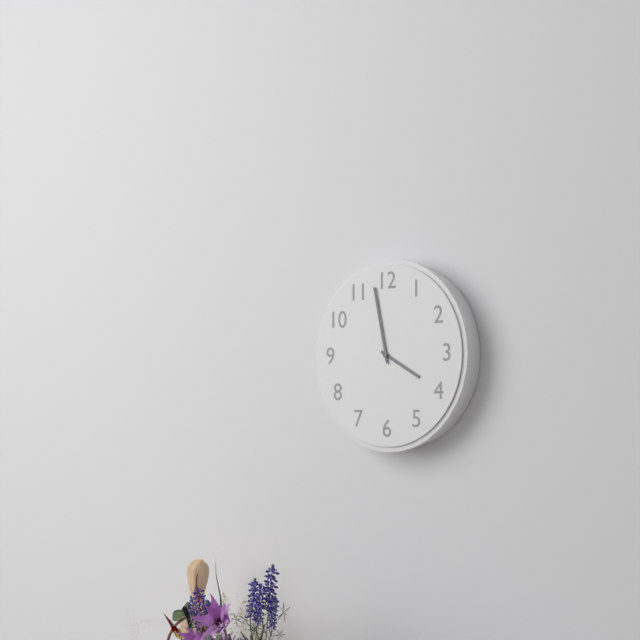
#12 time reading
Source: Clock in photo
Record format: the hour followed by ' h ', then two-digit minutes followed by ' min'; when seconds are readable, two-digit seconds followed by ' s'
3 h 58 min
